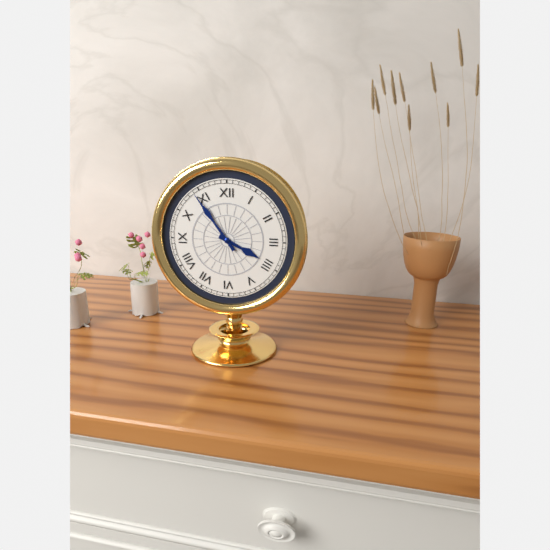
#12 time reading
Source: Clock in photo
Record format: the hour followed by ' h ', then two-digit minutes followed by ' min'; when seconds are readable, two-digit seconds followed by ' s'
3 h 54 min
